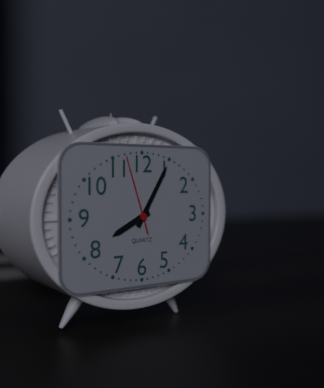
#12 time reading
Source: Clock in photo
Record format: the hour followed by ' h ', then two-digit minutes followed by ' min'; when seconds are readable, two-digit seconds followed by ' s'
8 h 05 min 57 s
